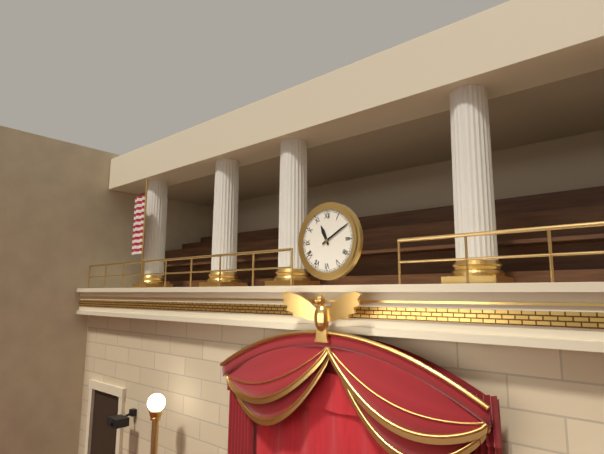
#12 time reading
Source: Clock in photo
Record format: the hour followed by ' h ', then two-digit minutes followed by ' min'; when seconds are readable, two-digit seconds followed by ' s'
11 h 10 min
